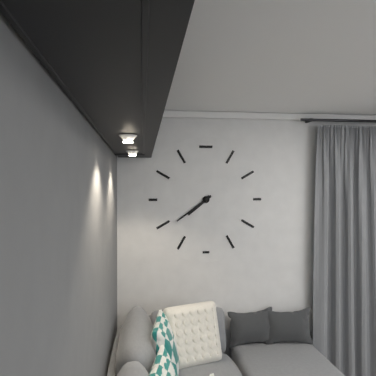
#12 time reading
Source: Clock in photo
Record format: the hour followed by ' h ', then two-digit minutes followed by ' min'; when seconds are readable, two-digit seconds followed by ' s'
7 h 39 min
